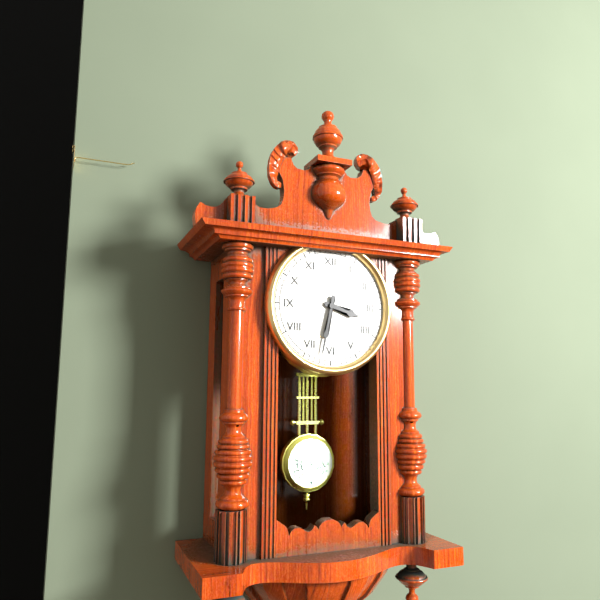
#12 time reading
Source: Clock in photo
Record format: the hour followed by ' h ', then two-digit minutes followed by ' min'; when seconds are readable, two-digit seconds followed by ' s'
3 h 32 min
